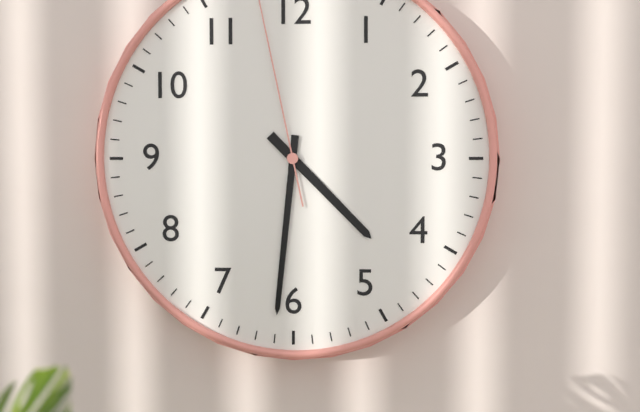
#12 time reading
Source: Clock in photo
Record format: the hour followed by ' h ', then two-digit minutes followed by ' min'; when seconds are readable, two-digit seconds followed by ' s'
4 h 31 min
